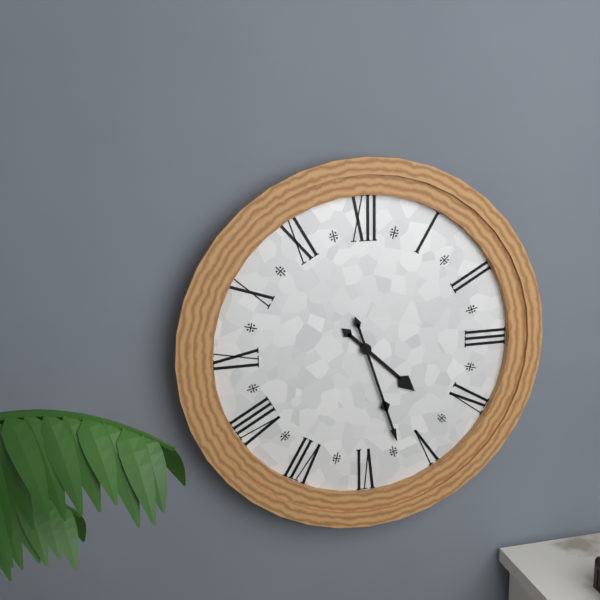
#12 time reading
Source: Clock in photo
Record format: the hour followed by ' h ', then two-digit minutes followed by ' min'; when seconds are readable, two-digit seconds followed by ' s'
4 h 27 min
